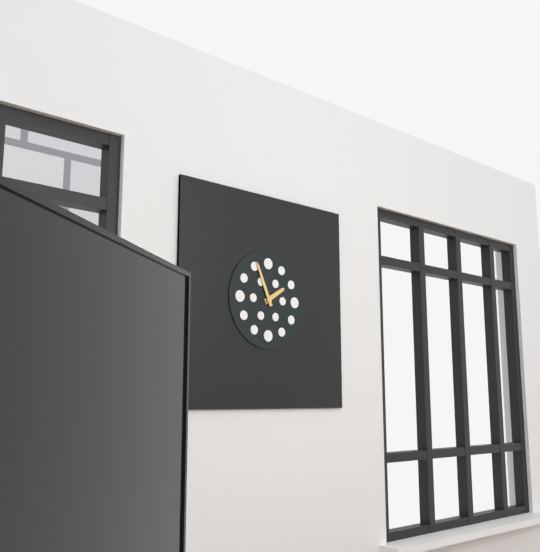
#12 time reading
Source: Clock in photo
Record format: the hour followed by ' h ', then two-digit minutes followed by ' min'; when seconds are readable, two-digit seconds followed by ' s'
1 h 56 min
